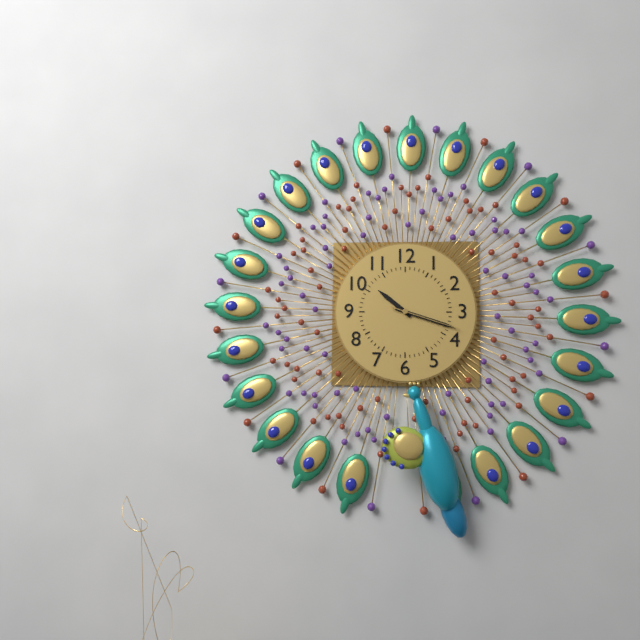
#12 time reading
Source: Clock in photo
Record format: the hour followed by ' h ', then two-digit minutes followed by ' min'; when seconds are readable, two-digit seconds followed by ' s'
10 h 18 min 18 s
